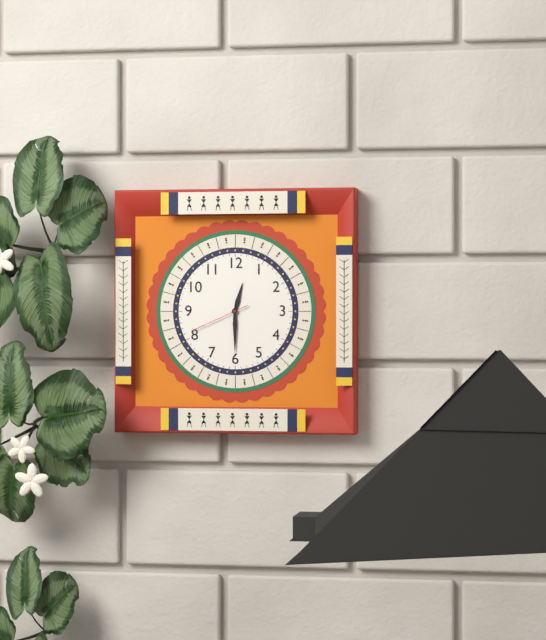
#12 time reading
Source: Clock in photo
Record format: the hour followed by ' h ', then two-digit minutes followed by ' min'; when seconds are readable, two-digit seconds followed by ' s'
12 h 30 min 41 s
